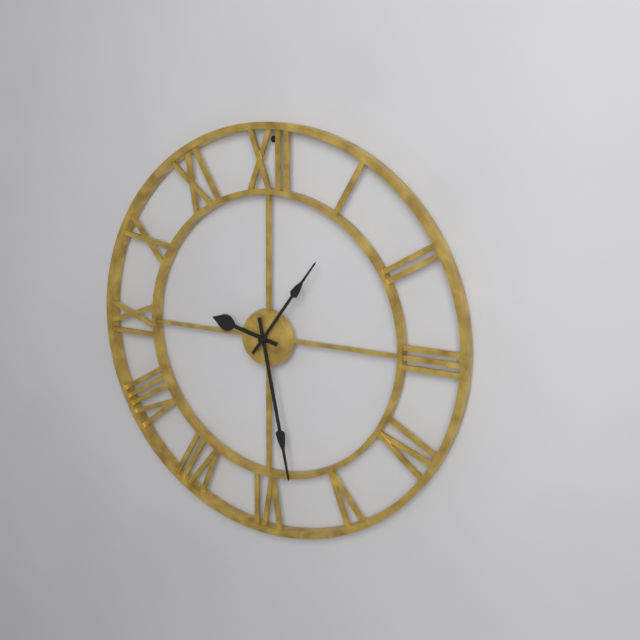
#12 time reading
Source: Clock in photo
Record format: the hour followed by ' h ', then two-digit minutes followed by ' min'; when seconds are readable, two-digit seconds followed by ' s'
9 h 28 min 06 s
